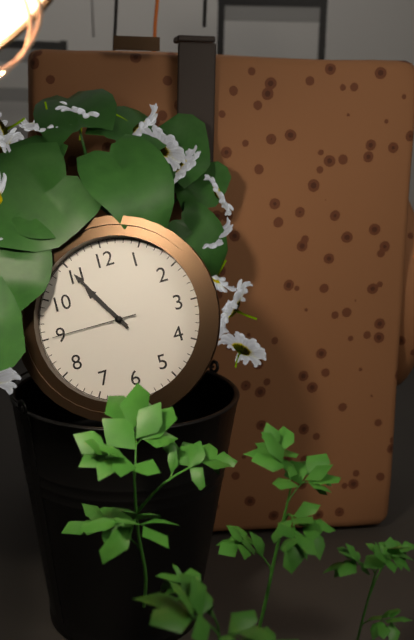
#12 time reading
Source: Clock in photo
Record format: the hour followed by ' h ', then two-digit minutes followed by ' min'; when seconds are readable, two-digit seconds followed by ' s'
10 h 55 min 45 s
